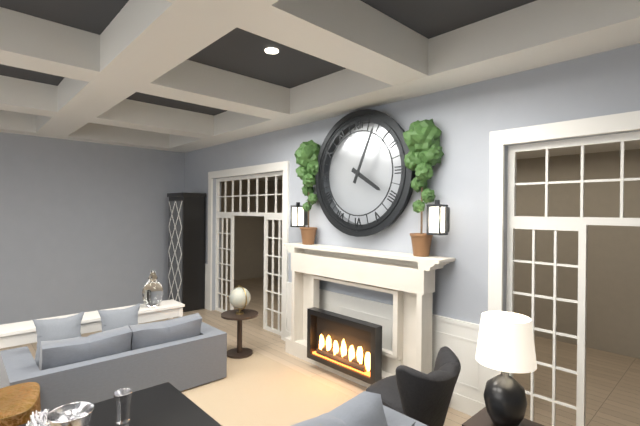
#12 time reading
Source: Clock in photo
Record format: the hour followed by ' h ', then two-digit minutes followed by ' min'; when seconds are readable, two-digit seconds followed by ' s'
4 h 04 min
